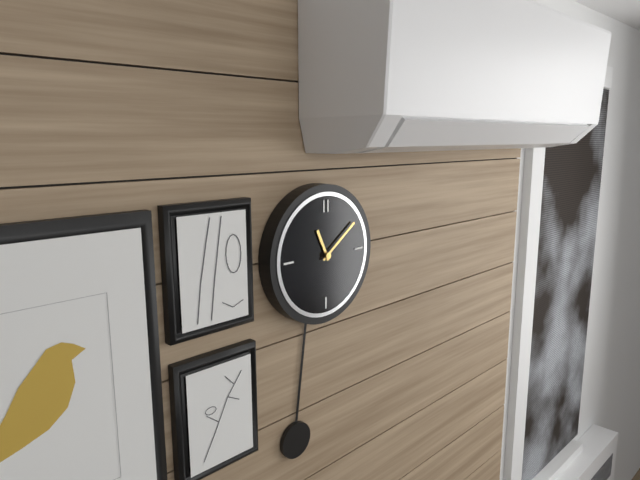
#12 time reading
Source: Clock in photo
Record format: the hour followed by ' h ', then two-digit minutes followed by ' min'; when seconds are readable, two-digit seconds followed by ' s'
11 h 09 min
